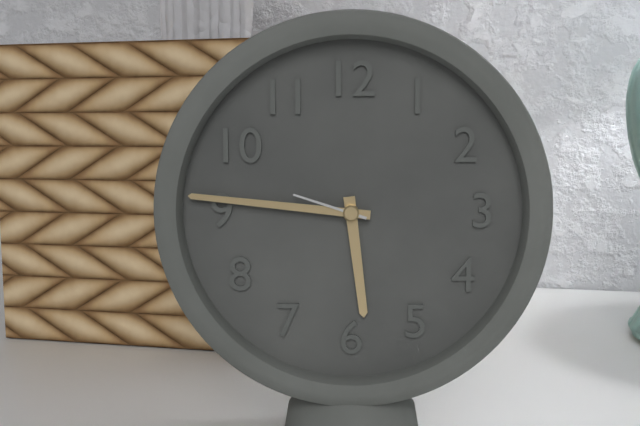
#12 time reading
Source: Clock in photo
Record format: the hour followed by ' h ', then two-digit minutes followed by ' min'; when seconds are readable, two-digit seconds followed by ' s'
5 h 46 min 48 s
